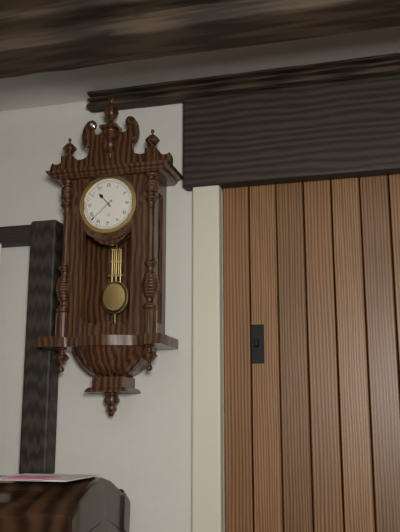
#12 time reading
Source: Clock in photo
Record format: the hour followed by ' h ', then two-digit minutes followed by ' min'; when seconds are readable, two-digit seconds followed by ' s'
10 h 38 min
